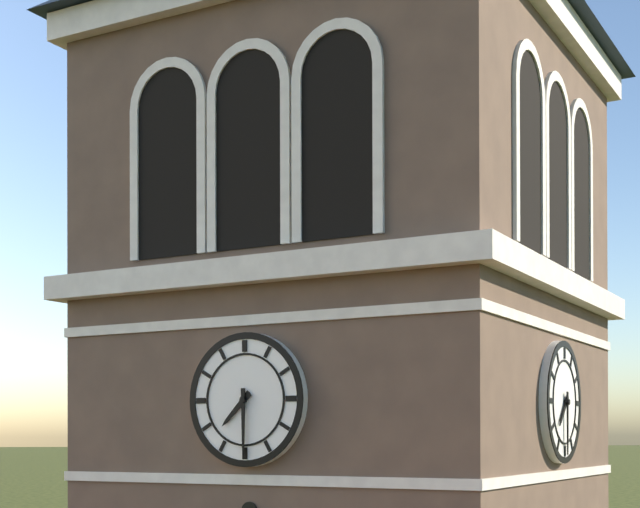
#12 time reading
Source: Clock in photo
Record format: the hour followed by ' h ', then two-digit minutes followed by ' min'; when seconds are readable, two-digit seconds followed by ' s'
7 h 30 min
